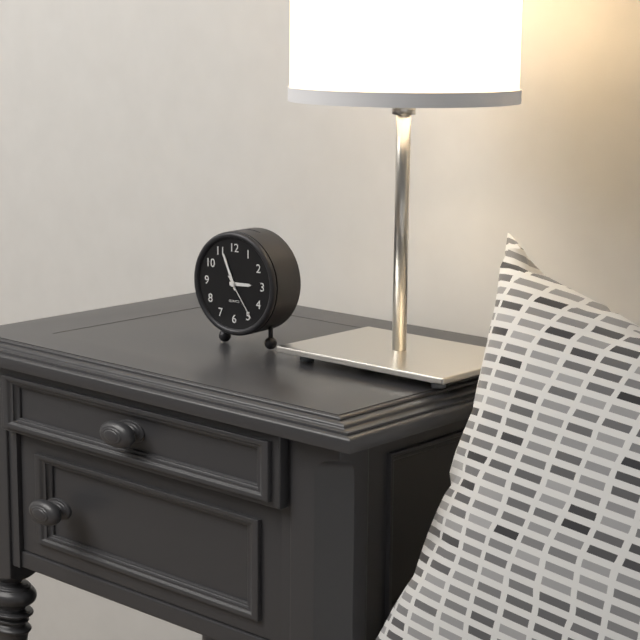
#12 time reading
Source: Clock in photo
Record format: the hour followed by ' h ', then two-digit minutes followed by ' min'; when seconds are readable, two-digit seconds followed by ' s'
2 h 56 min
